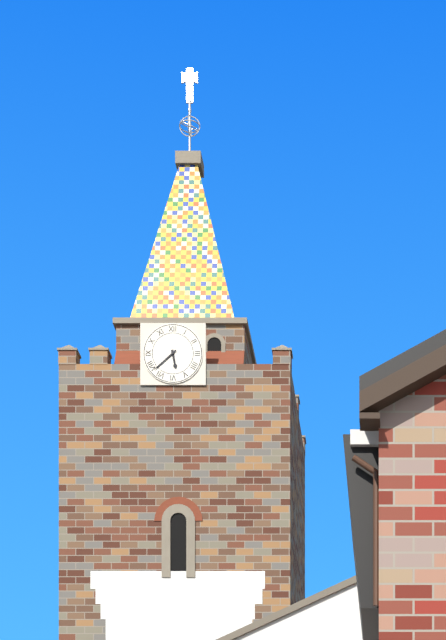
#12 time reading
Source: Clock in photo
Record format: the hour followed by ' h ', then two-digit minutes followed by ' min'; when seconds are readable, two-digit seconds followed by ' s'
5 h 38 min
